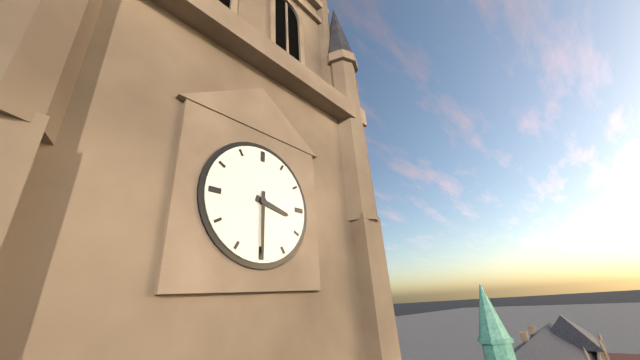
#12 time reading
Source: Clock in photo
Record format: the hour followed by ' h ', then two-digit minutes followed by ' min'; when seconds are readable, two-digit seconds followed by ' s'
3 h 30 min
